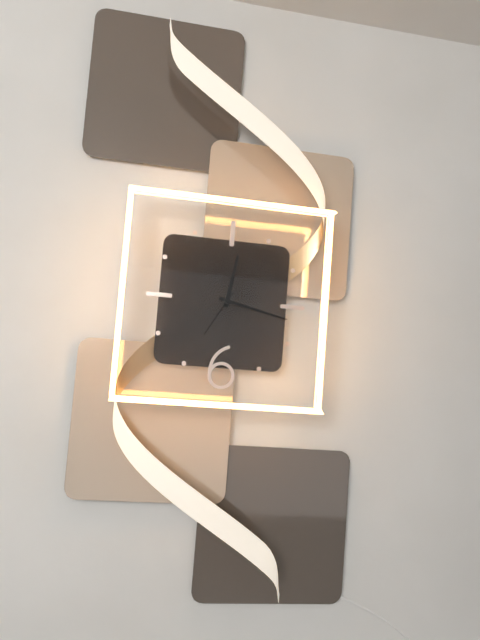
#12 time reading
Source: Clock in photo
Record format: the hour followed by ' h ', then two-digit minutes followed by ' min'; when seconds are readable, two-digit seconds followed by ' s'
12 h 17 min 35 s
